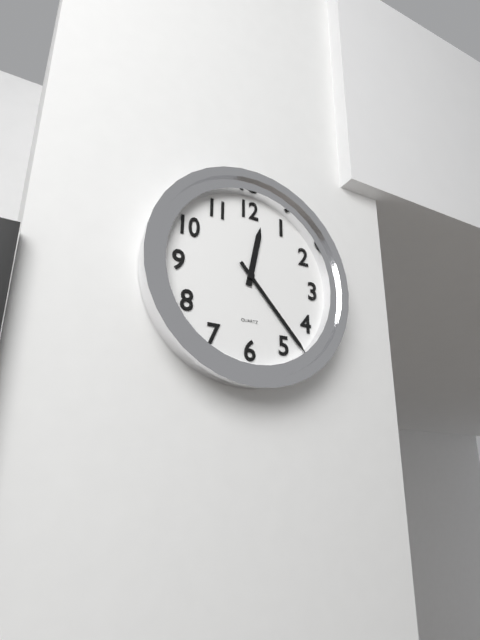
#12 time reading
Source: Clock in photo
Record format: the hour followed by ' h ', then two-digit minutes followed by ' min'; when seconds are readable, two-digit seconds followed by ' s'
12 h 23 min
